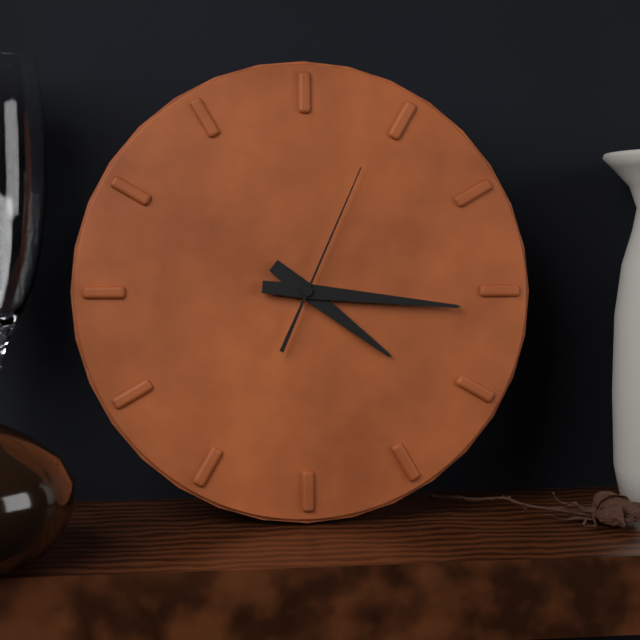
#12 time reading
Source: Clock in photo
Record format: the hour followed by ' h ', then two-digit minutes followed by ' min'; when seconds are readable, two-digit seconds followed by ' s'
4 h 16 min 04 s
